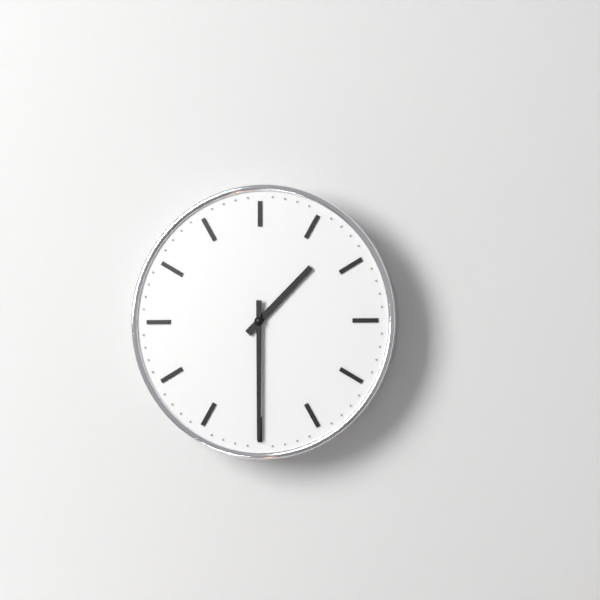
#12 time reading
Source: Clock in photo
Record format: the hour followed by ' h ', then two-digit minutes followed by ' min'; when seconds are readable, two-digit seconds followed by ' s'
1 h 30 min
